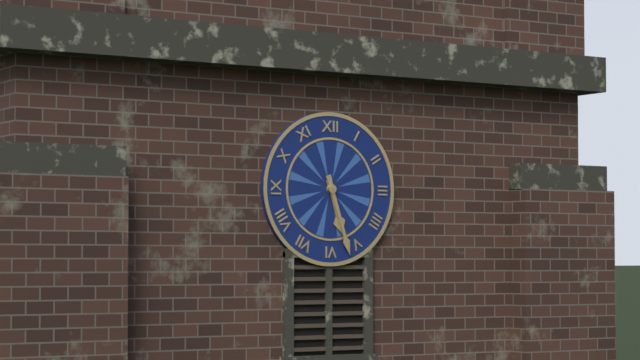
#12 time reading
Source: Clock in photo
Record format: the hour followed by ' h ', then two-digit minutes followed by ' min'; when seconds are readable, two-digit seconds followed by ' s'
5 h 27 min
